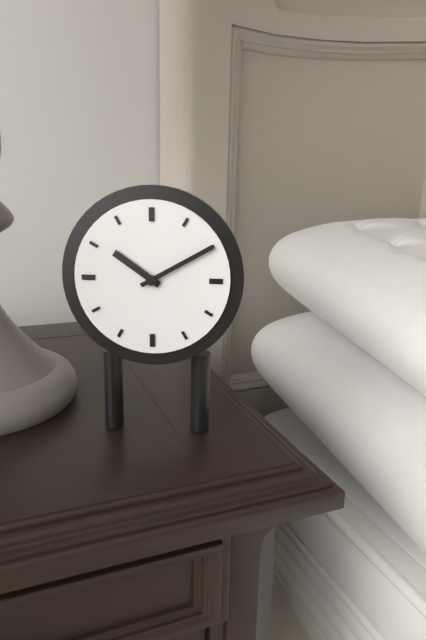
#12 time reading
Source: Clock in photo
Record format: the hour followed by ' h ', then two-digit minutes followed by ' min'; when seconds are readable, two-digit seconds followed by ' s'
10 h 10 min
